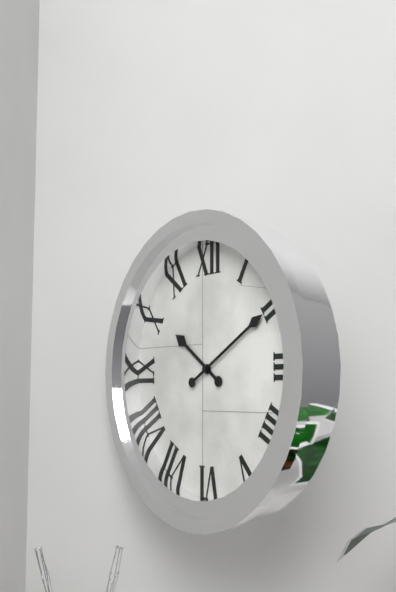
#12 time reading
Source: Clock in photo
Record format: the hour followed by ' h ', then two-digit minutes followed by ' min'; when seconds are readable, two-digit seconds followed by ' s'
10 h 10 min
